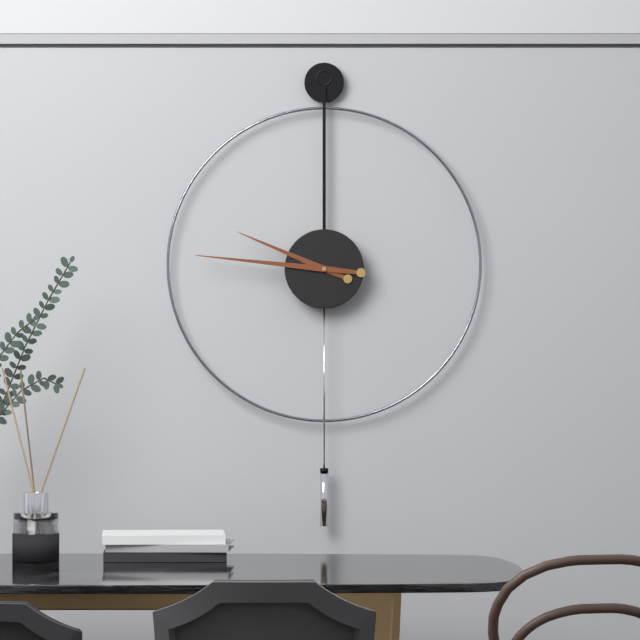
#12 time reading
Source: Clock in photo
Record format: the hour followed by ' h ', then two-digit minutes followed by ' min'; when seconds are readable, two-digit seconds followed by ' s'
9 h 46 min
